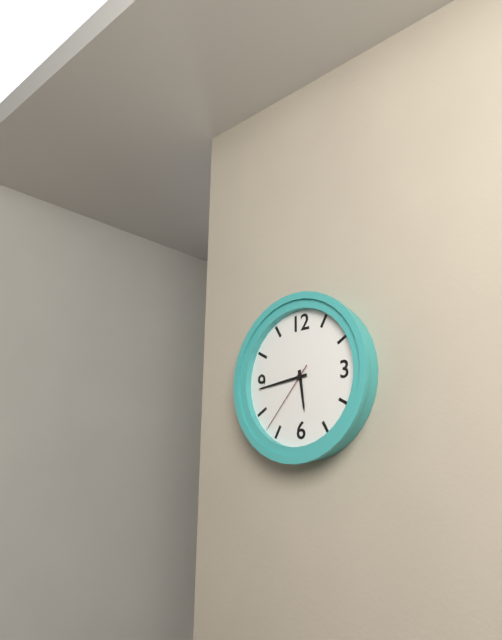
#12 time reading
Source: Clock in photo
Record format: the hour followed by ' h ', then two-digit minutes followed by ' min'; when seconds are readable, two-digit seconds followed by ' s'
5 h 44 min 37 s
